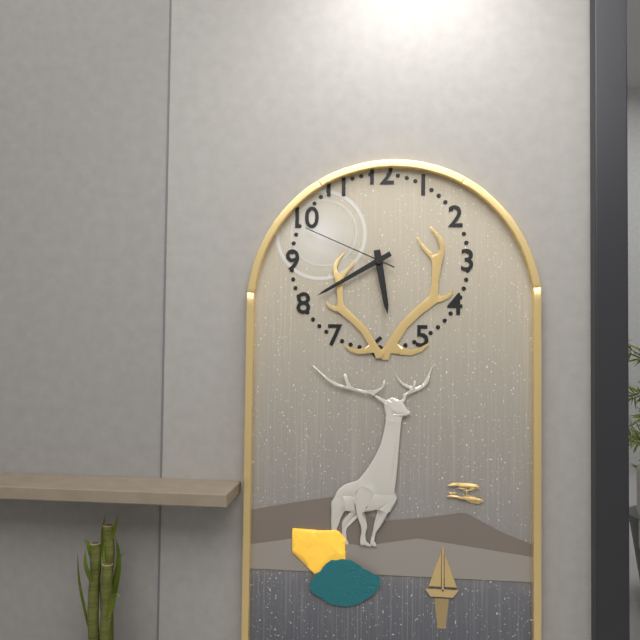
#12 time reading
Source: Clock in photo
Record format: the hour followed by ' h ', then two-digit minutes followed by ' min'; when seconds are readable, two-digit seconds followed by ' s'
5 h 40 min 49 s
